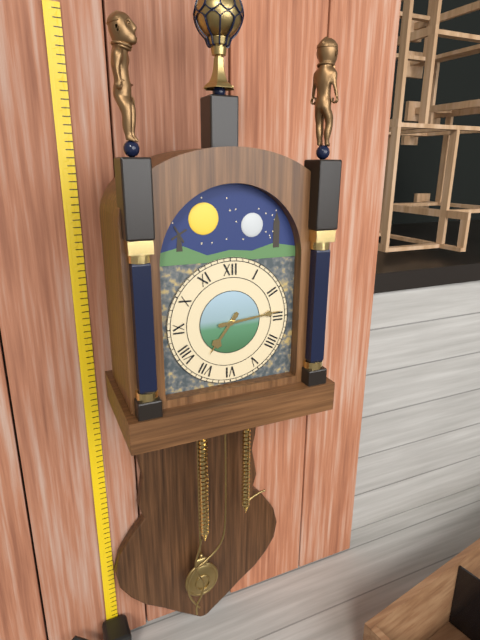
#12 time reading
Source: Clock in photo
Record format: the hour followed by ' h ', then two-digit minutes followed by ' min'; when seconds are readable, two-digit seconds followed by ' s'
7 h 14 min
